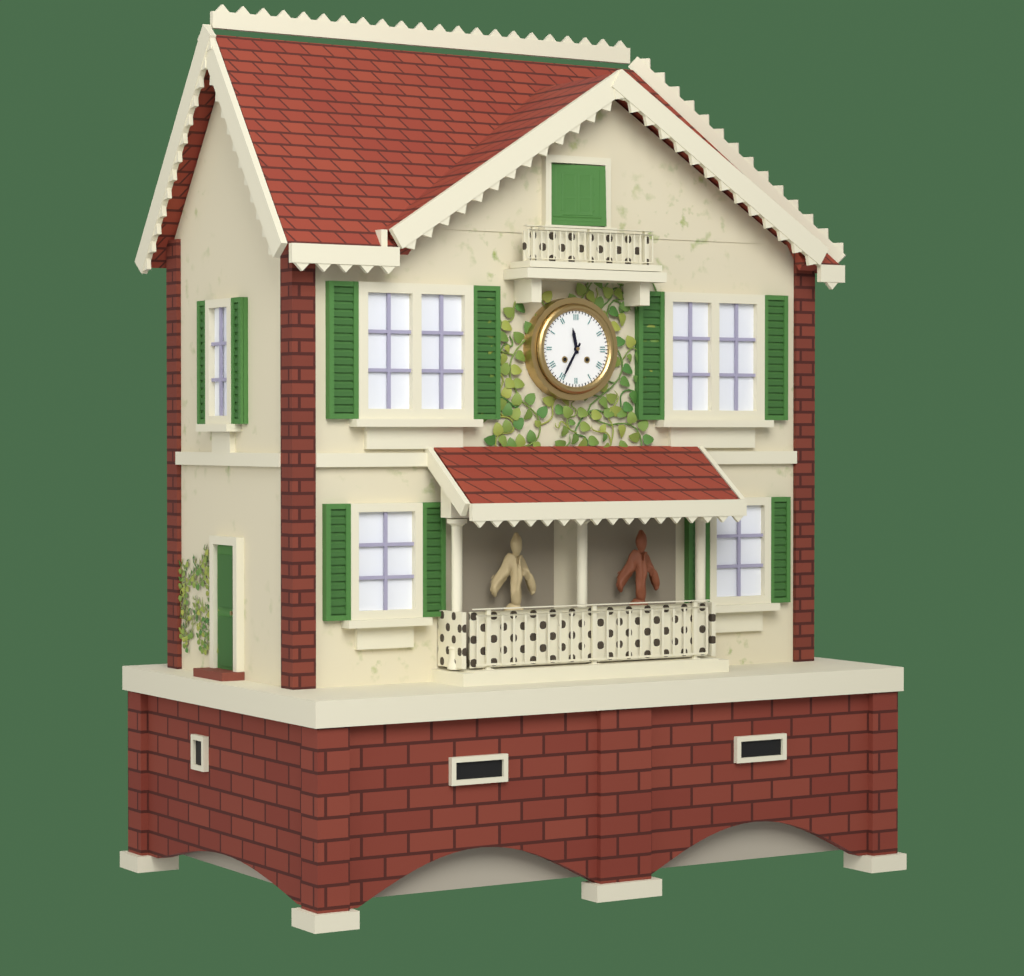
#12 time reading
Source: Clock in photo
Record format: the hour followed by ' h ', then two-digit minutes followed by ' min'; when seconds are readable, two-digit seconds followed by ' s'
11 h 35 min
